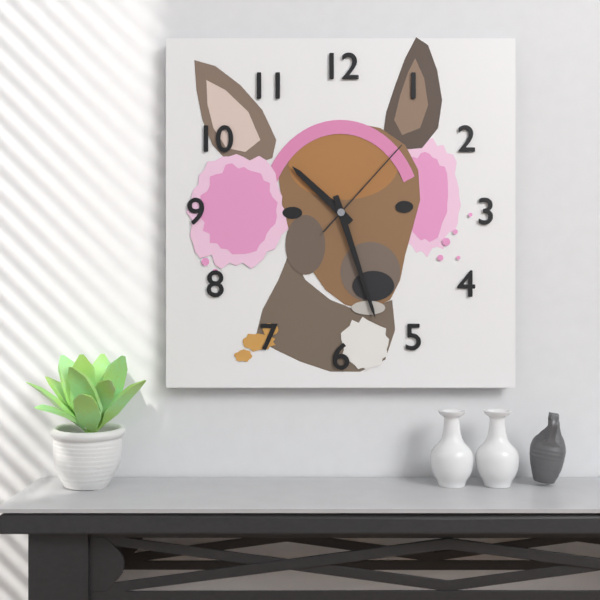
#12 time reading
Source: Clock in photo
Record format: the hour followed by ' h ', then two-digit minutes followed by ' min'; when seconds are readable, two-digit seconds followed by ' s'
10 h 27 min 07 s
